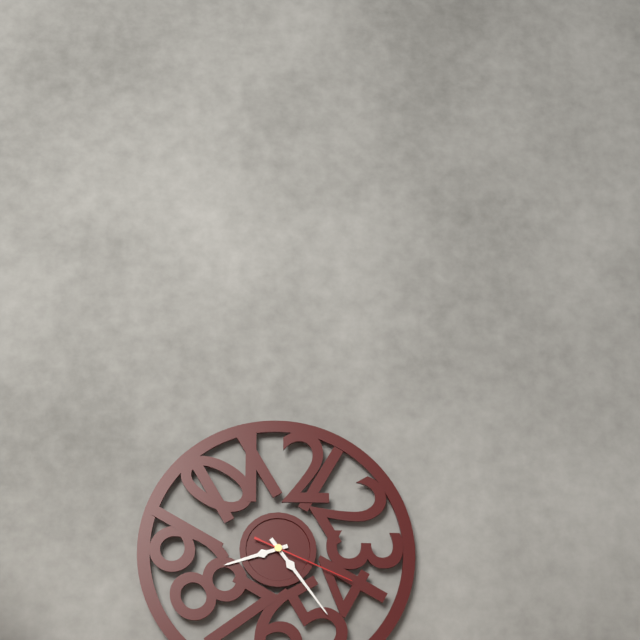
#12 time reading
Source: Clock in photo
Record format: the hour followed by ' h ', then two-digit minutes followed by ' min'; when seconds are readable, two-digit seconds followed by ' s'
8 h 24 min 19 s
